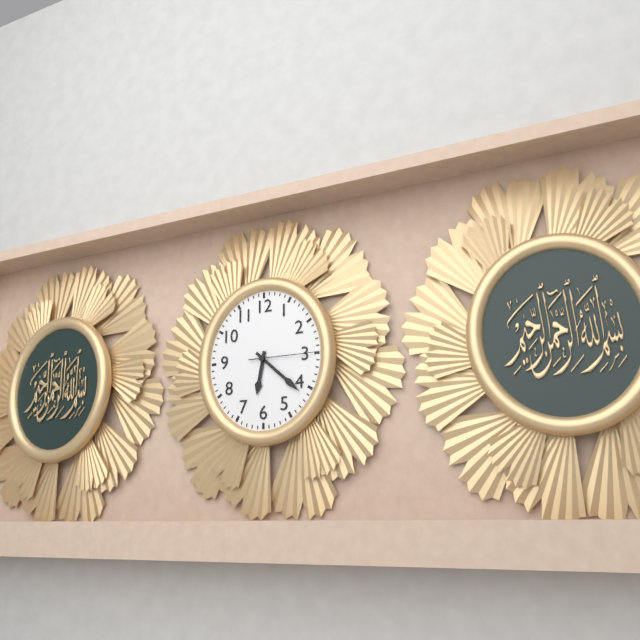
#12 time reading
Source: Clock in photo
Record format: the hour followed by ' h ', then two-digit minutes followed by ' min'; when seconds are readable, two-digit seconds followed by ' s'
6 h 22 min 15 s
